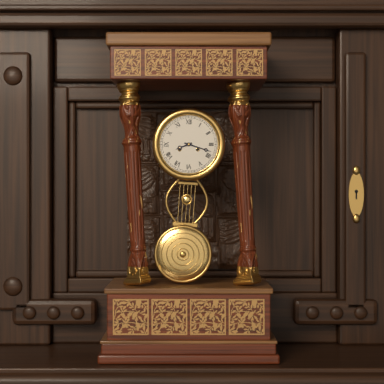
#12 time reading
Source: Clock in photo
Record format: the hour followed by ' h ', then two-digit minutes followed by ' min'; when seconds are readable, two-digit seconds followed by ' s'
8 h 18 min
